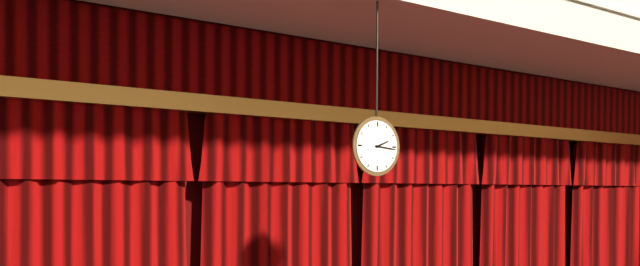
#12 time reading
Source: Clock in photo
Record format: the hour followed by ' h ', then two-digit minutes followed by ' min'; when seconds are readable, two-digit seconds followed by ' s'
2 h 16 min
